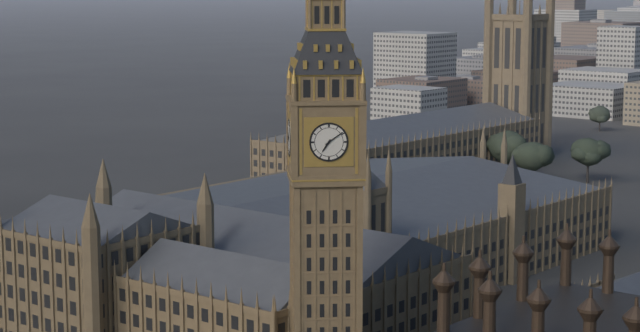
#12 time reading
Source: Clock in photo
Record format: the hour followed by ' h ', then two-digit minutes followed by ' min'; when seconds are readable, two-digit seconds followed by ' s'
7 h 09 min
